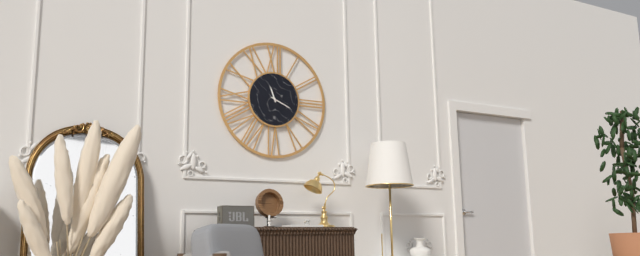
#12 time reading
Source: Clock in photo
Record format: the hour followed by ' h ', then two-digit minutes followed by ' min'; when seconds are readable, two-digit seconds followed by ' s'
11 h 19 min
